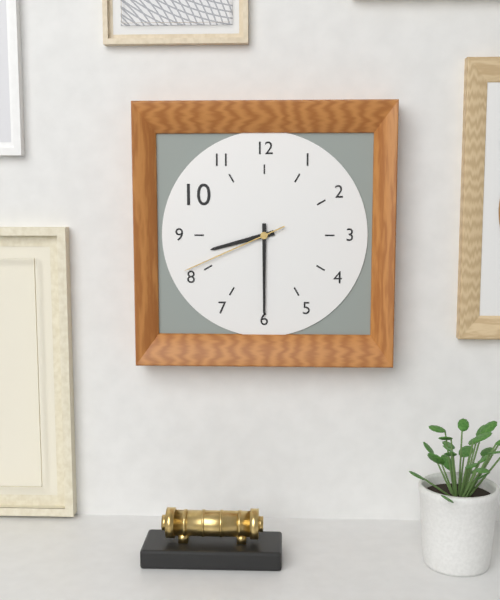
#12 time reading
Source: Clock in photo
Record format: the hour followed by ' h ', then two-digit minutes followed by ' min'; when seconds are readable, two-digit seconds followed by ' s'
8 h 30 min 41 s
